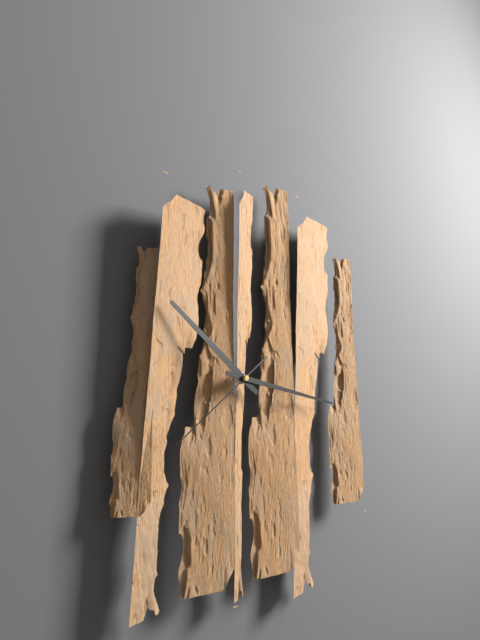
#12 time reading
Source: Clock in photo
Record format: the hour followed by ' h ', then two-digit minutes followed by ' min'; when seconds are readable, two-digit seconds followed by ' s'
10 h 17 min 39 s
